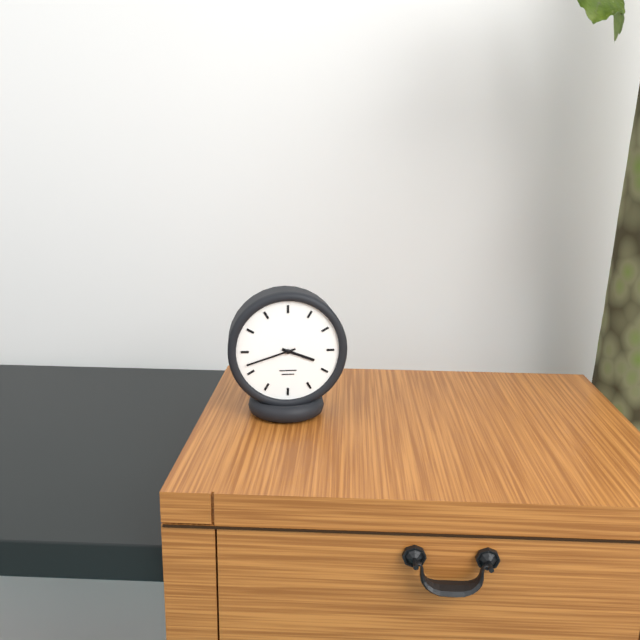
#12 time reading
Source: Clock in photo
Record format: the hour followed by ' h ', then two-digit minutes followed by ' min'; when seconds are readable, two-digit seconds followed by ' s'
3 h 42 min
